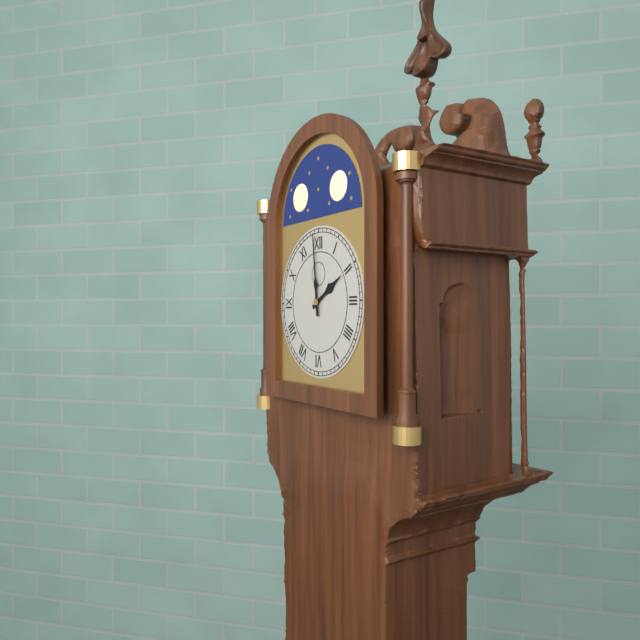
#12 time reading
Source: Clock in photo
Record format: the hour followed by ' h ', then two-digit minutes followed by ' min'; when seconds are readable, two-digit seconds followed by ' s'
1 h 59 min
